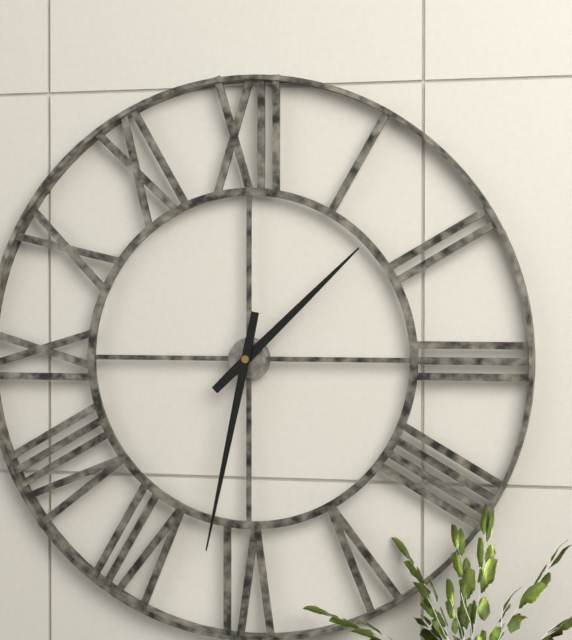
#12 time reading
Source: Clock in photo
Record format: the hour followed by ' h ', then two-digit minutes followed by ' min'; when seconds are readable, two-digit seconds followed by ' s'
1 h 32 min
